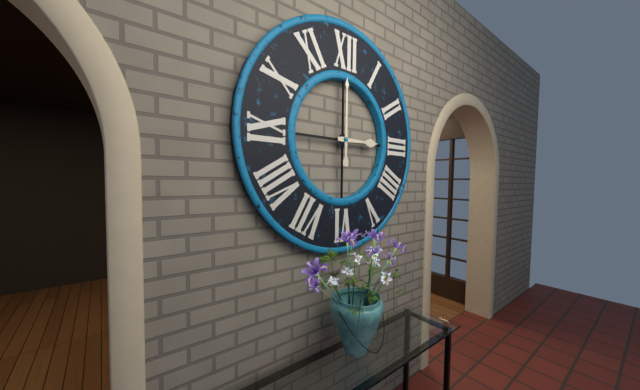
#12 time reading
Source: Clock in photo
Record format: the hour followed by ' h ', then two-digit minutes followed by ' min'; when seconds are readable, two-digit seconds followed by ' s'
3 h 00 min
